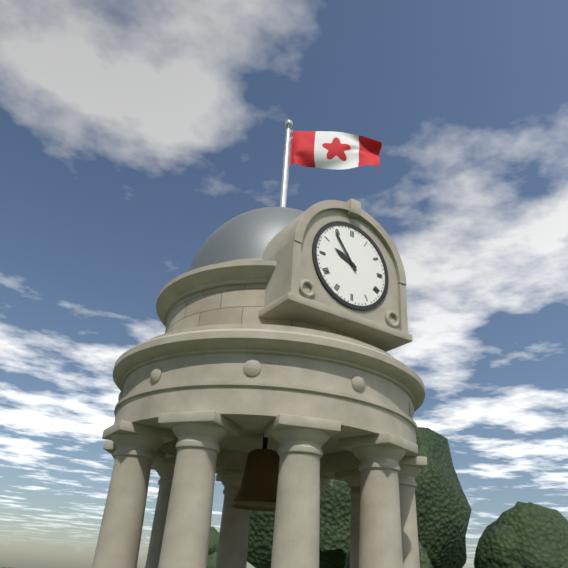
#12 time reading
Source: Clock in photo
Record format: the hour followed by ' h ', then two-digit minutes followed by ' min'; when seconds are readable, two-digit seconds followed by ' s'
9 h 54 min
